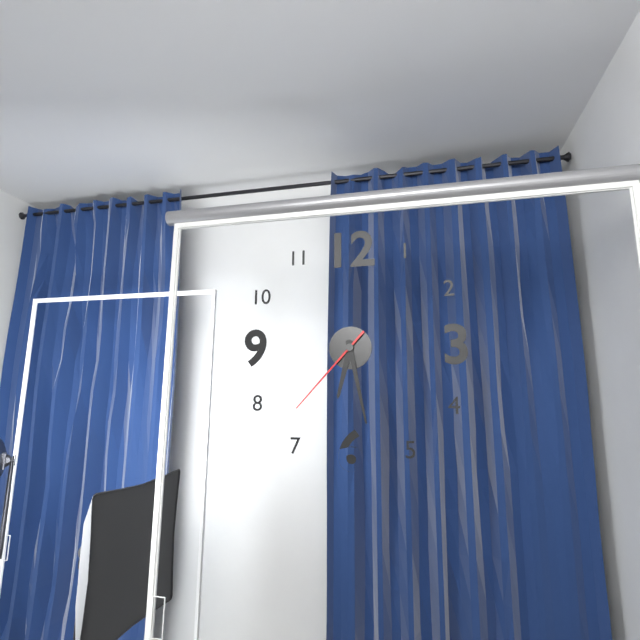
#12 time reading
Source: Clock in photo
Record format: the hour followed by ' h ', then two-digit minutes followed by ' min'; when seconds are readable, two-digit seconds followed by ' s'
6 h 28 min 37 s
